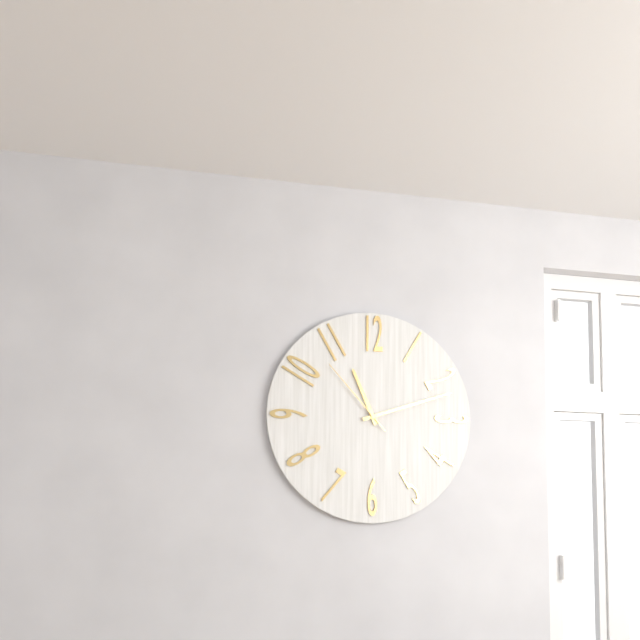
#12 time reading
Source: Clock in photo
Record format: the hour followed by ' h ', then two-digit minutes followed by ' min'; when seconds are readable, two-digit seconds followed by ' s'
11 h 12 min 53 s
